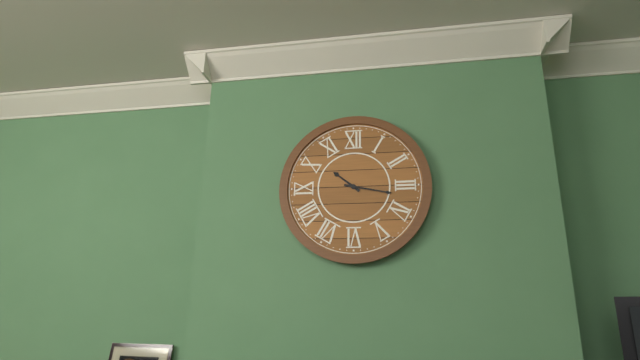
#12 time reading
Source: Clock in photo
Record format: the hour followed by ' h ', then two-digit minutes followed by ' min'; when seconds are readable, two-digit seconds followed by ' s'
10 h 17 min
